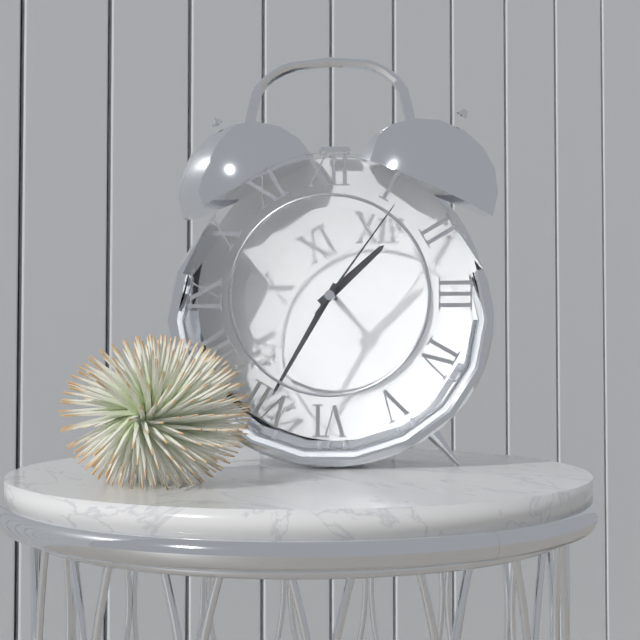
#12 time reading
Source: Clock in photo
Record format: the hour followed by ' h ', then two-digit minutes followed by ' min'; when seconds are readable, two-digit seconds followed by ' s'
1 h 35 min 06 s
